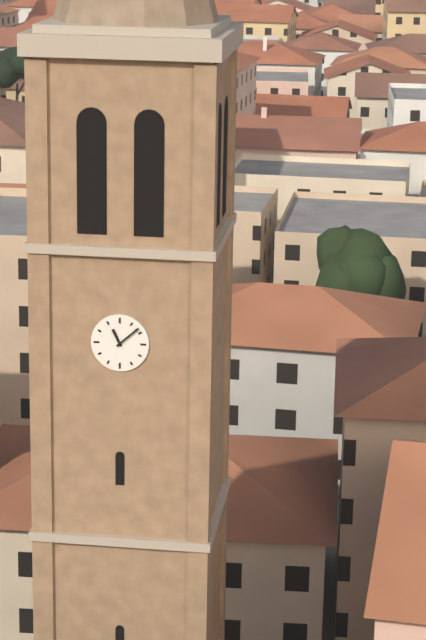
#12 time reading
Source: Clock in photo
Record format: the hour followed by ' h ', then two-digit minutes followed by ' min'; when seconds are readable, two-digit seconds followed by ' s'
11 h 08 min
